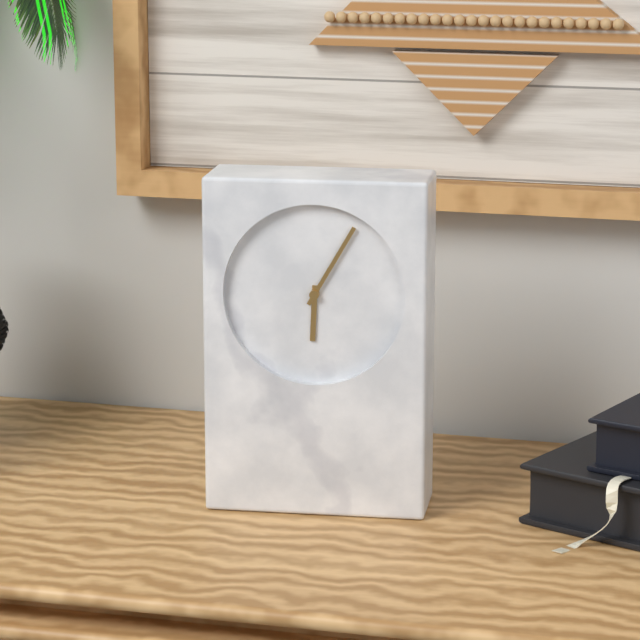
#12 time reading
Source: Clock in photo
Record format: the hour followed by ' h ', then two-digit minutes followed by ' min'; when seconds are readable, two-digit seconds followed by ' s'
6 h 05 min
